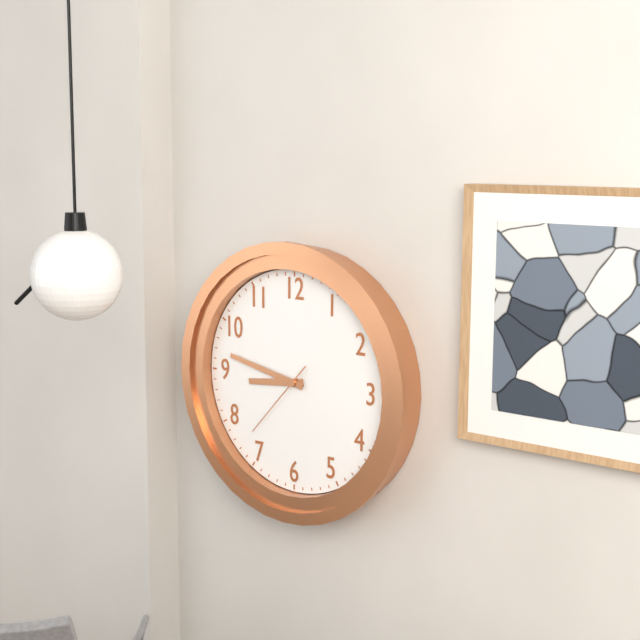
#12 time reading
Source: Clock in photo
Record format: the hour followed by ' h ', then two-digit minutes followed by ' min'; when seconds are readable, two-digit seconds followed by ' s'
8 h 47 min 37 s
